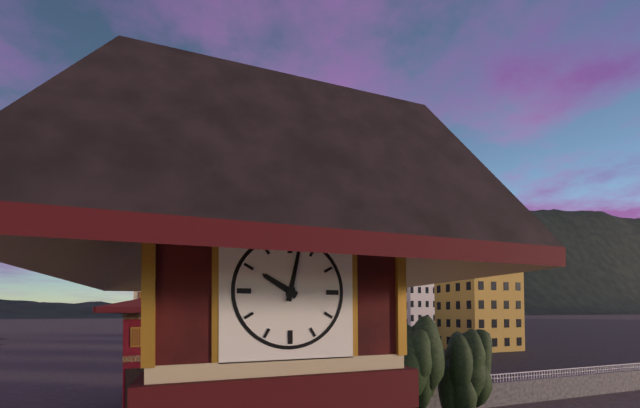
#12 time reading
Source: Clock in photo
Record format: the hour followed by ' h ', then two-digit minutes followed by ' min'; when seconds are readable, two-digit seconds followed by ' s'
10 h 02 min
